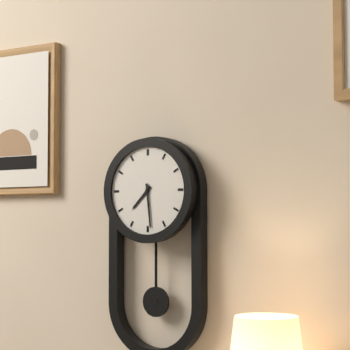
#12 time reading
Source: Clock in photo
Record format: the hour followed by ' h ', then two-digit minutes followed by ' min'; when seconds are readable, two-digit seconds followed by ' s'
7 h 29 min
